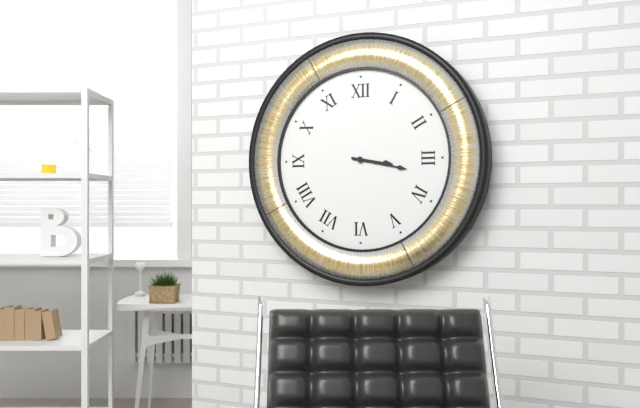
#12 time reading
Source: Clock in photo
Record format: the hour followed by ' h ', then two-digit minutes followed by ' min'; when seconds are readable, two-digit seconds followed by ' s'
3 h 17 min
